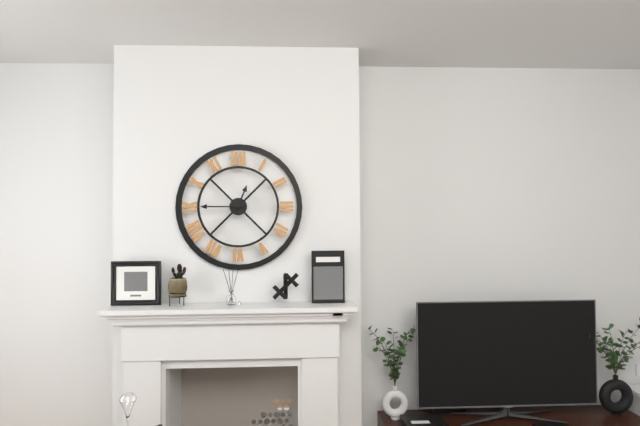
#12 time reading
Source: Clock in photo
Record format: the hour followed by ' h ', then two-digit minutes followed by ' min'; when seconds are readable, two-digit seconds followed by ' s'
12 h 45 min
